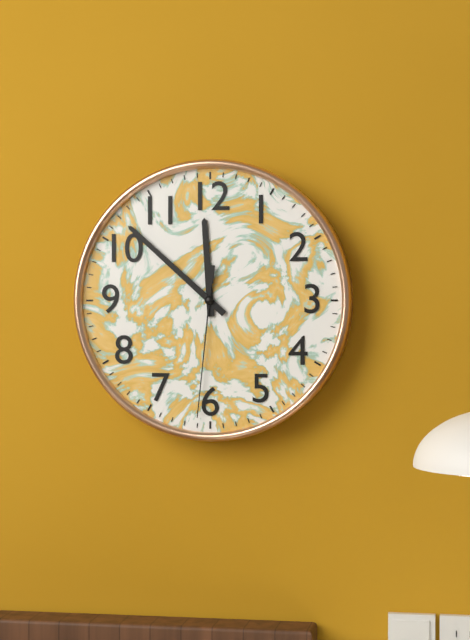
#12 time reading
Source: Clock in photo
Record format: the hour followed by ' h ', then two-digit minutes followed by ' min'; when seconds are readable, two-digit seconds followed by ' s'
11 h 52 min 31 s
